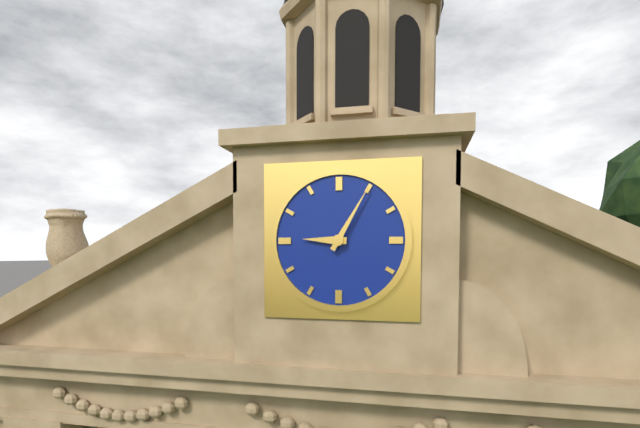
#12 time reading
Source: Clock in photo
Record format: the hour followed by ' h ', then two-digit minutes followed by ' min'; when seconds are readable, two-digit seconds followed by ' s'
9 h 05 min
